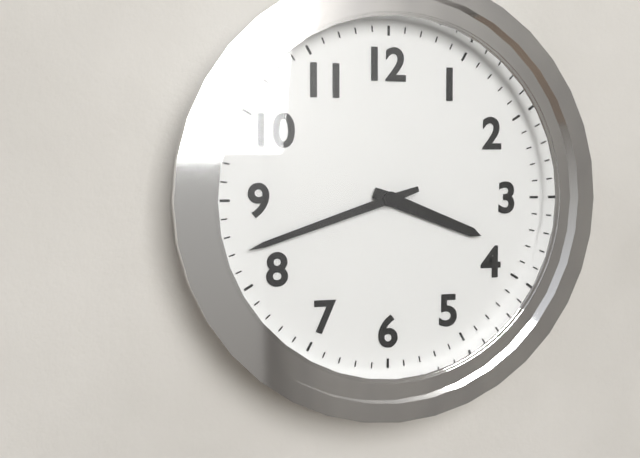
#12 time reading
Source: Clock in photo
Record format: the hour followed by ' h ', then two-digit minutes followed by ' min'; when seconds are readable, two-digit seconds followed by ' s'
3 h 42 min
